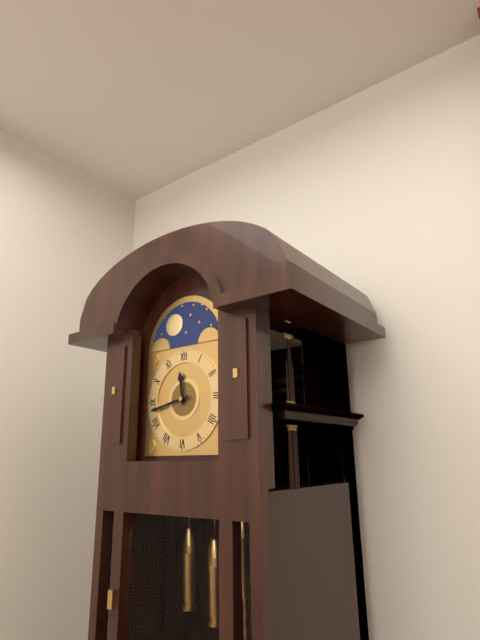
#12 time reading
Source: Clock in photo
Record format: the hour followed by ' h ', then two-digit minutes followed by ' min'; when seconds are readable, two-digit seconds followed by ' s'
11 h 43 min
